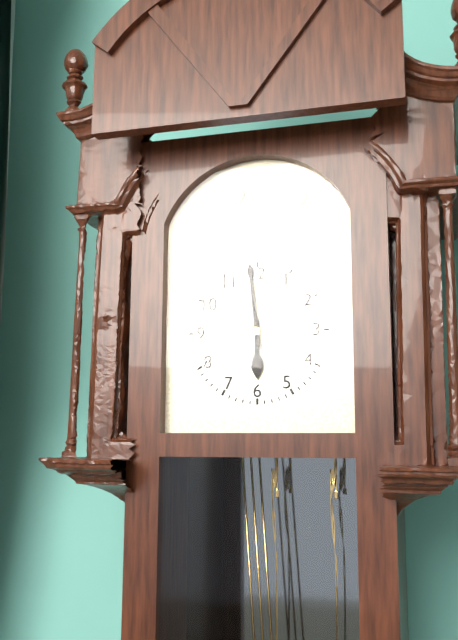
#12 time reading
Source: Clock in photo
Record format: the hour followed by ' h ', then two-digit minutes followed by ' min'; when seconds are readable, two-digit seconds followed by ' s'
5 h 59 min
